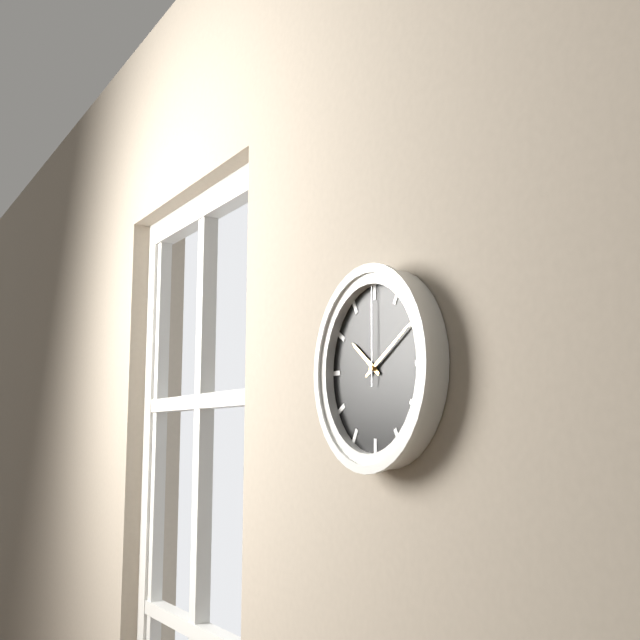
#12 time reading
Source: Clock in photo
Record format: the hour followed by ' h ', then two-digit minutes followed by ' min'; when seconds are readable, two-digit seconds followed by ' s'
10 h 10 min 00 s
